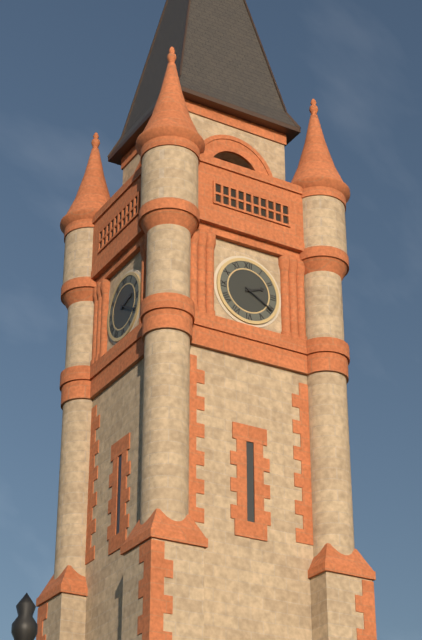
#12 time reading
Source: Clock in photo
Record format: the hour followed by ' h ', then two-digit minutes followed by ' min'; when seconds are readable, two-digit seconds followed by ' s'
2 h 20 min
